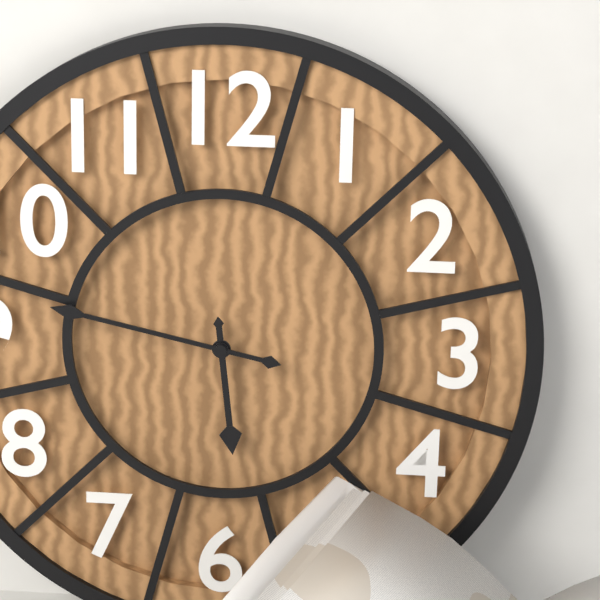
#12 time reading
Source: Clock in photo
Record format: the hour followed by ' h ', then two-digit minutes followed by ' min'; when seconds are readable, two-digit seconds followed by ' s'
5 h 47 min
